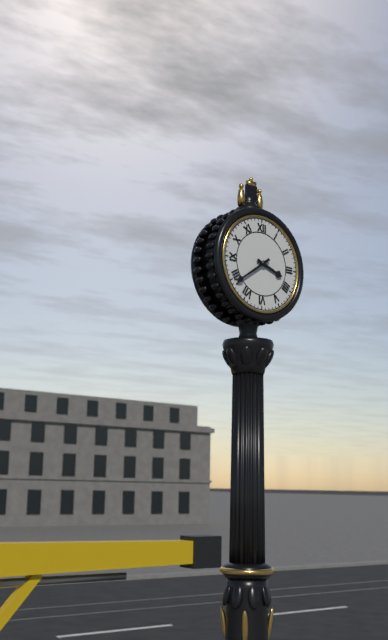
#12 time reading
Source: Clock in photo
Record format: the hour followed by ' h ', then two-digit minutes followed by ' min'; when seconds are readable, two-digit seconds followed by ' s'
3 h 39 min
